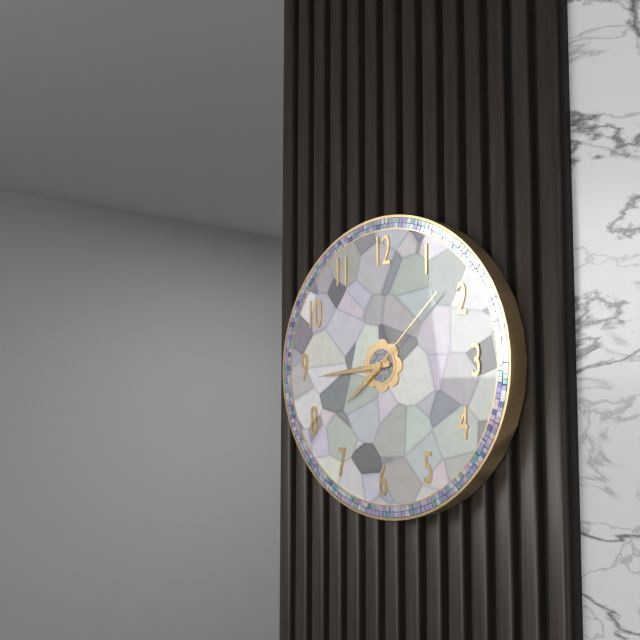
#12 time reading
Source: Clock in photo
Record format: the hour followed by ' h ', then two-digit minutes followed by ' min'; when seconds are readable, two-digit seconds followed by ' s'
7 h 44 min 08 s
